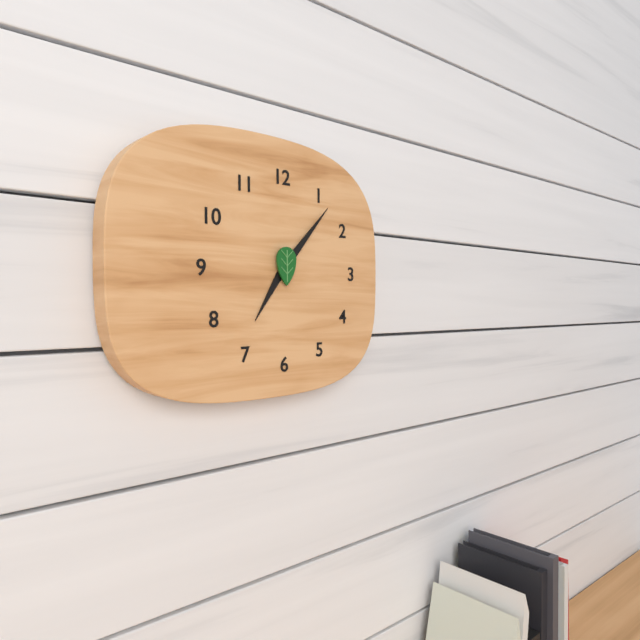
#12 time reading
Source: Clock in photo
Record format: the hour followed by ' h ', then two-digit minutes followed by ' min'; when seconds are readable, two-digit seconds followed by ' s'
7 h 07 min
